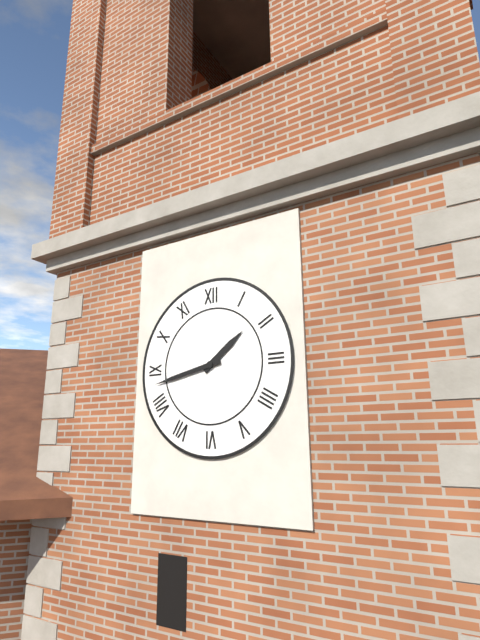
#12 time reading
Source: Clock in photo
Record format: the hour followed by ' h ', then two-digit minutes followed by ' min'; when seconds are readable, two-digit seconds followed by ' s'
1 h 43 min
